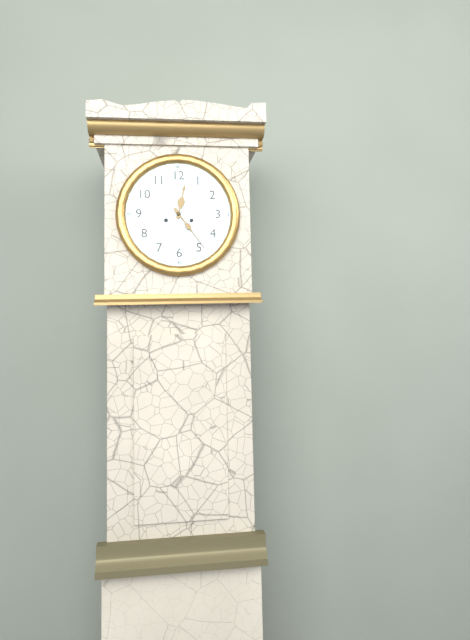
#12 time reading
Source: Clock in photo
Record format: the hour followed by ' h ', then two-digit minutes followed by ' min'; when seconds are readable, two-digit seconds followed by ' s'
12 h 24 min
